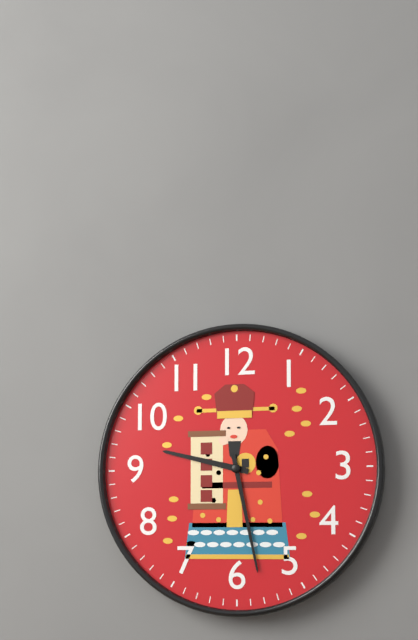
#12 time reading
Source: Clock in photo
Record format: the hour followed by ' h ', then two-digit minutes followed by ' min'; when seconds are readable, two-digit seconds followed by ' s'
9 h 28 min
